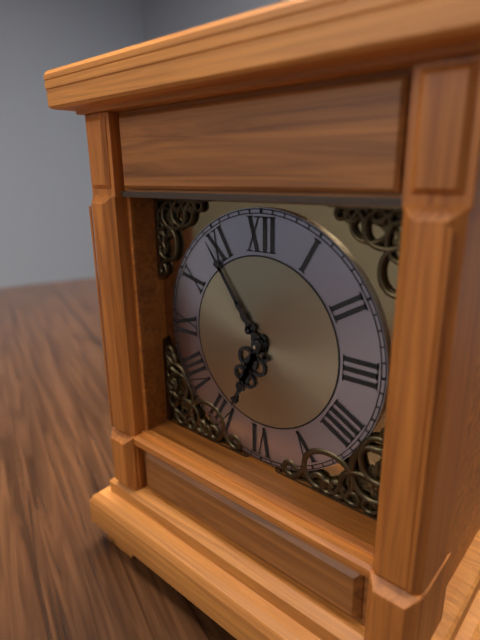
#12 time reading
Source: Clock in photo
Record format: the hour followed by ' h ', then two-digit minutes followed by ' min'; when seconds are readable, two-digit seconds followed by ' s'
6 h 54 min
